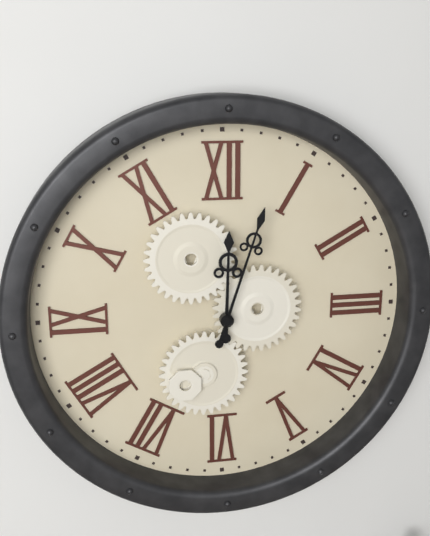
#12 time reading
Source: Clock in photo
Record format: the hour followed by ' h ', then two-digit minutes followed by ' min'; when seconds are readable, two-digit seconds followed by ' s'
12 h 03 min
